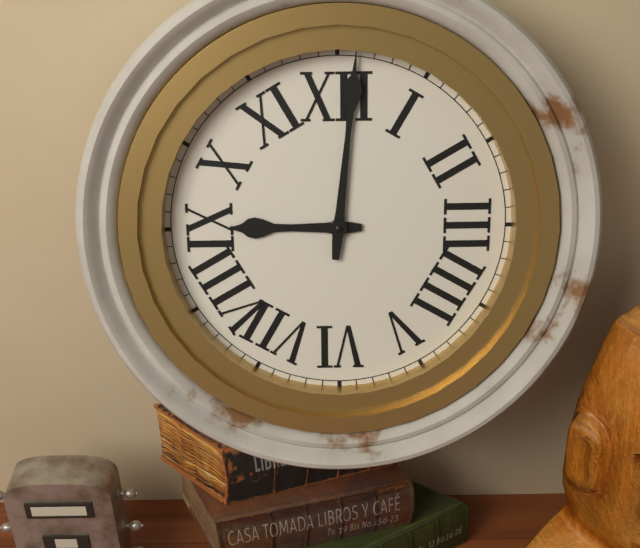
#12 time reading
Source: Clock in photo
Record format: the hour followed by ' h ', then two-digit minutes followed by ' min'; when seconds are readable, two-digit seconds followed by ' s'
9 h 01 min
